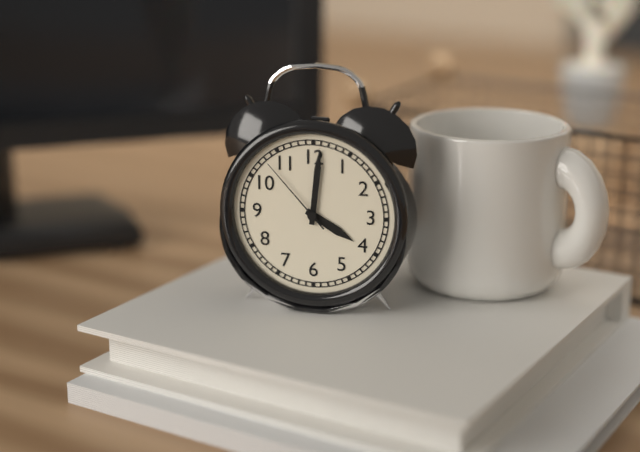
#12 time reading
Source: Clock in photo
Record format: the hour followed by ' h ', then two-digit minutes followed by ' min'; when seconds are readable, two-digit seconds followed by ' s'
4 h 01 min 53 s
